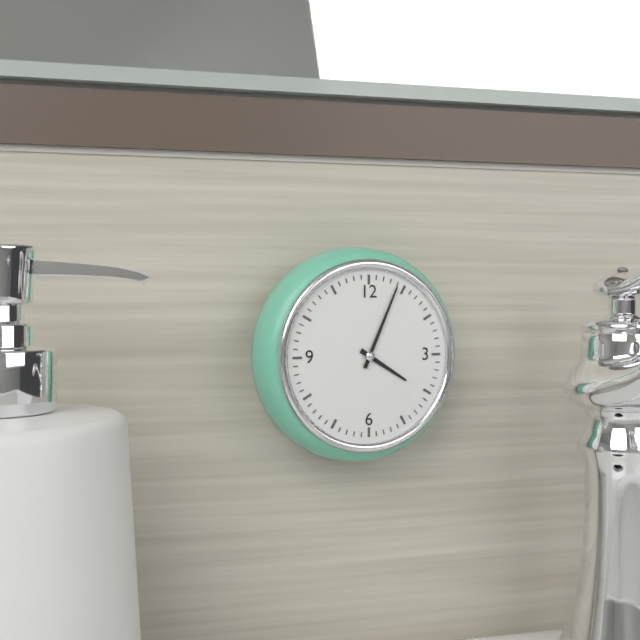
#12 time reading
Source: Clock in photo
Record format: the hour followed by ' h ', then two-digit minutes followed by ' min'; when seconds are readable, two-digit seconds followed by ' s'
4 h 04 min
